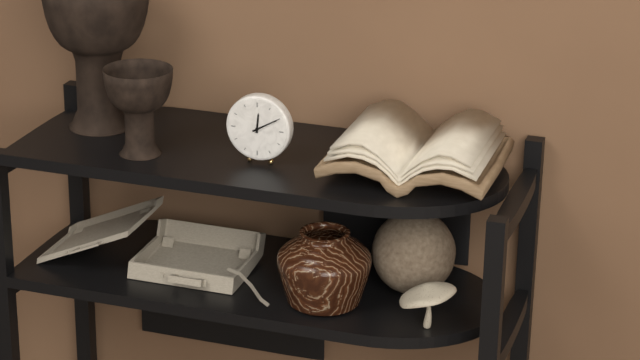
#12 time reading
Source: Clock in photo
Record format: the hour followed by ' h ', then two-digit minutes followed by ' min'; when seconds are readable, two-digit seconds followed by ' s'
12 h 10 min
